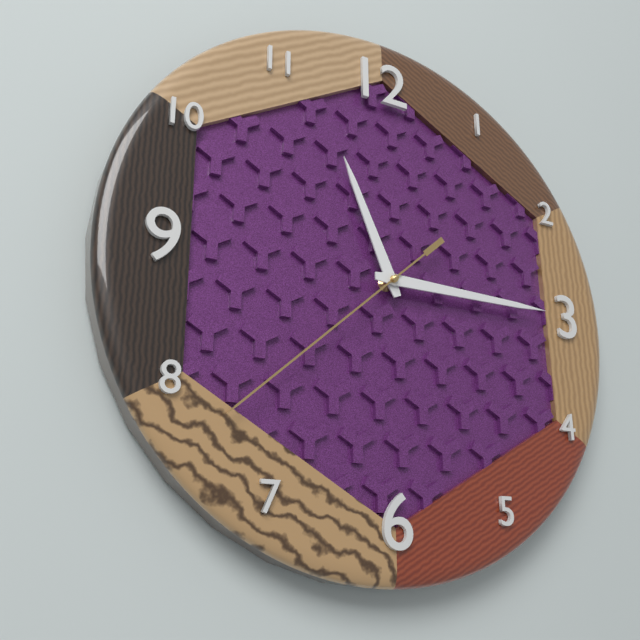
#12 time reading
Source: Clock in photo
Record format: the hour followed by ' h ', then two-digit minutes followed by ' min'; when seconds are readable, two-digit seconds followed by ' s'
11 h 15 min 38 s
